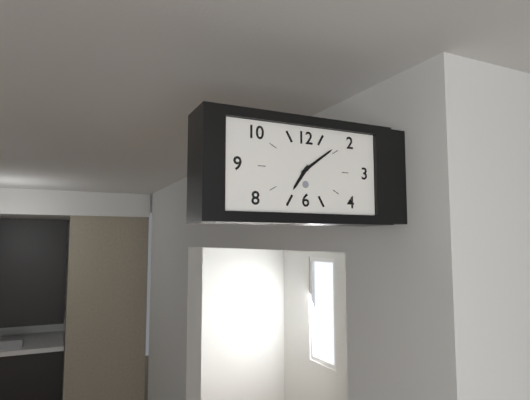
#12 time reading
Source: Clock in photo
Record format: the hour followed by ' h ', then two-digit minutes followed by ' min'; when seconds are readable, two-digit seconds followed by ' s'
7 h 09 min
